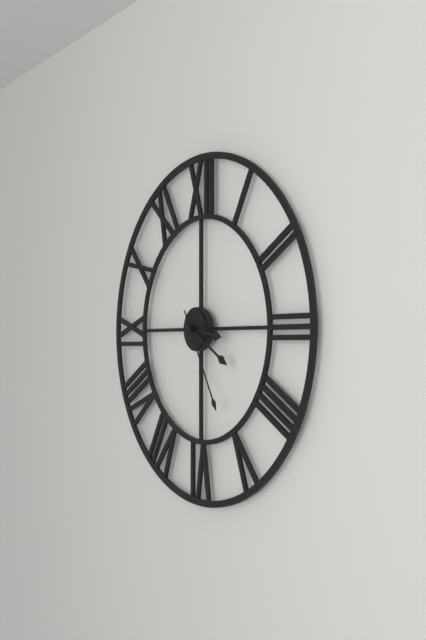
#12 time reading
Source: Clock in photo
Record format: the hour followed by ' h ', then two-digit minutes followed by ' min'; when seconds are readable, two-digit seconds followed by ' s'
3 h 20 min 25 s
